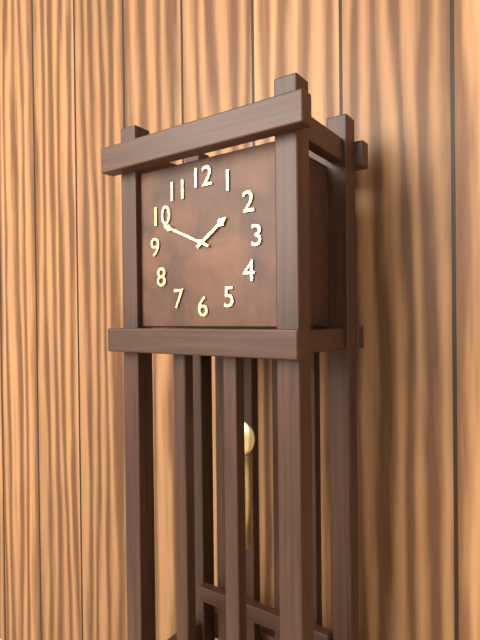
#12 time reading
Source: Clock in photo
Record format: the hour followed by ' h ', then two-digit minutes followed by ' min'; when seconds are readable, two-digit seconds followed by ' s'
1 h 49 min
